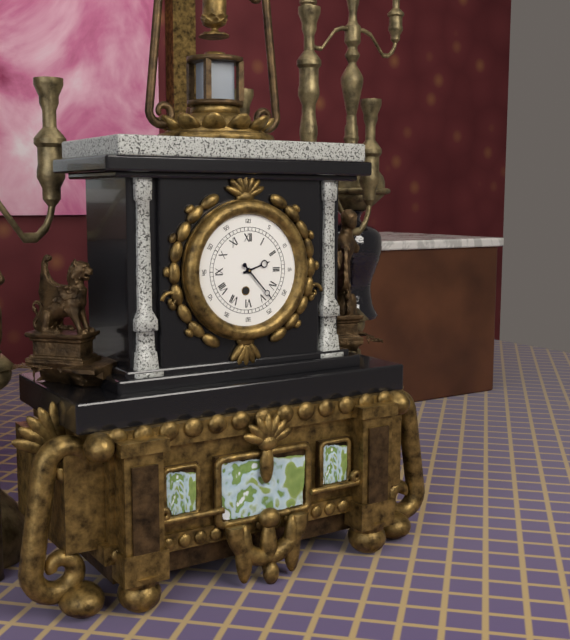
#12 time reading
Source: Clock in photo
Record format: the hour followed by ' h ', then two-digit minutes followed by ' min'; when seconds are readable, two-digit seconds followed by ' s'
2 h 23 min
